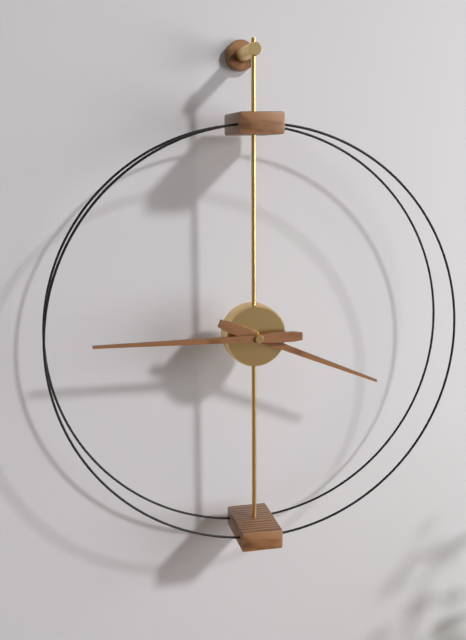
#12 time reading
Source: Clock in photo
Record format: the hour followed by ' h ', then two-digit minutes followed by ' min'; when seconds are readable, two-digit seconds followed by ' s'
3 h 45 min
